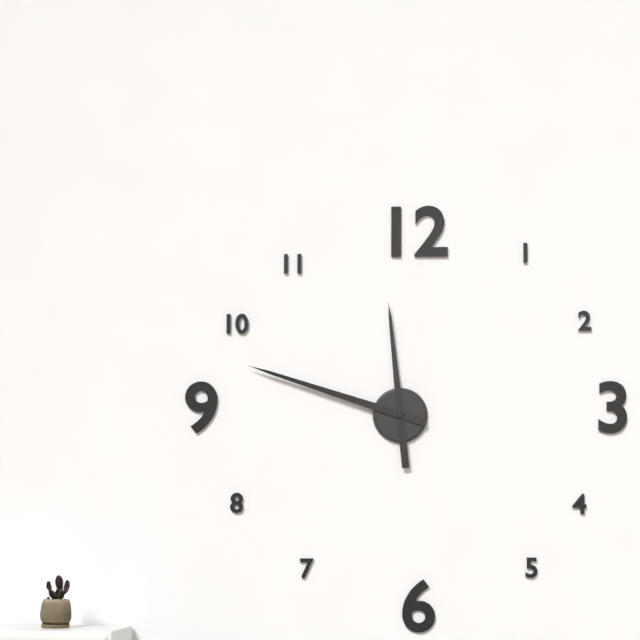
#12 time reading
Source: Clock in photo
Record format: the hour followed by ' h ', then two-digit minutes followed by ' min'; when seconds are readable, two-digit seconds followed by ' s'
11 h 48 min
